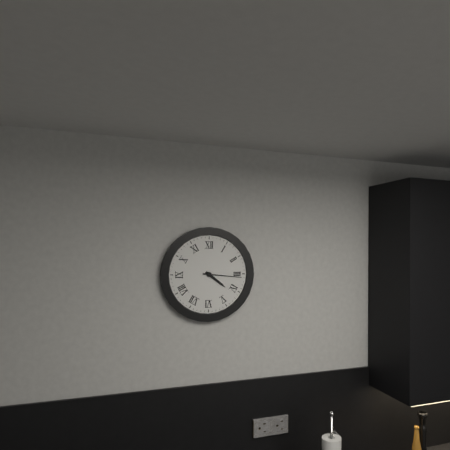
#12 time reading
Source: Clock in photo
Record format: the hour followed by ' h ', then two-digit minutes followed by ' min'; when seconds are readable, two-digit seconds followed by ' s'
4 h 16 min
